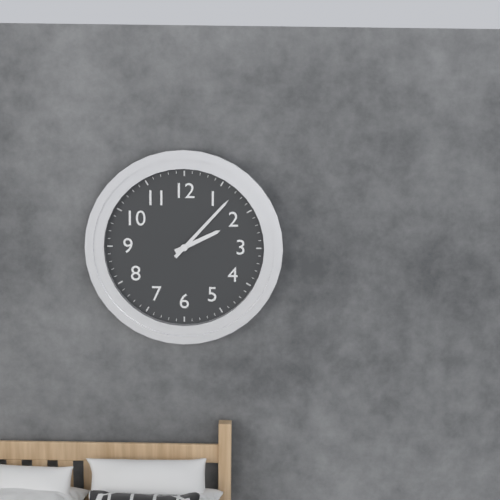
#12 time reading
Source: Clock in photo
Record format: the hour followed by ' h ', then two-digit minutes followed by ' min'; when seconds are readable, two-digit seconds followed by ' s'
2 h 07 min
